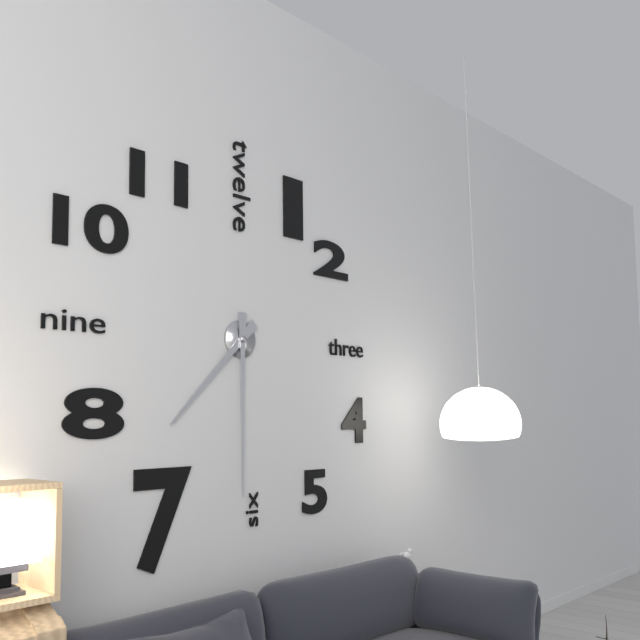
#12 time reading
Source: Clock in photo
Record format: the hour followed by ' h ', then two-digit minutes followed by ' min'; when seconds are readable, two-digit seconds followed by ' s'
7 h 30 min
